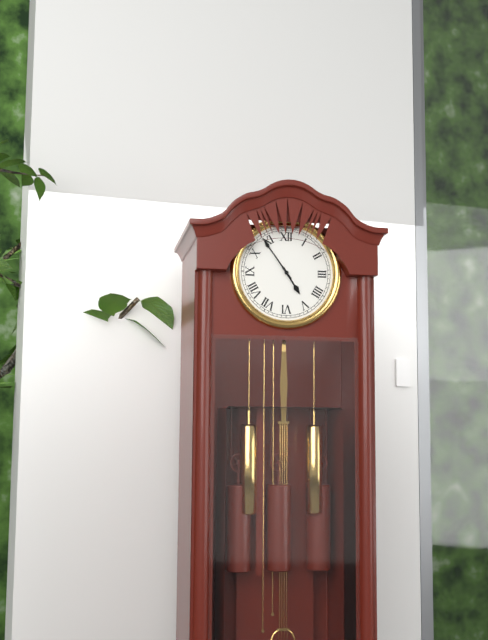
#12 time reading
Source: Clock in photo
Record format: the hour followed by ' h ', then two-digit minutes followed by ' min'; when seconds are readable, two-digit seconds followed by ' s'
4 h 54 min
